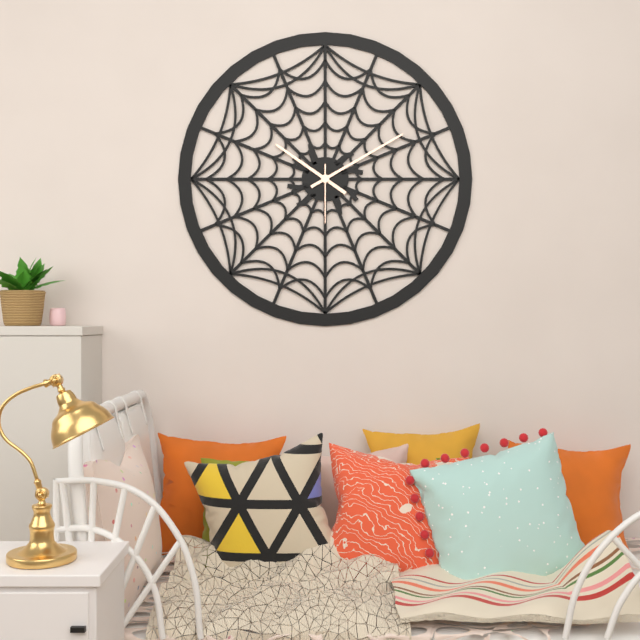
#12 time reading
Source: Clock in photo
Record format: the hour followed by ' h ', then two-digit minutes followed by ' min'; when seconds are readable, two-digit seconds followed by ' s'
10 h 10 min 30 s
